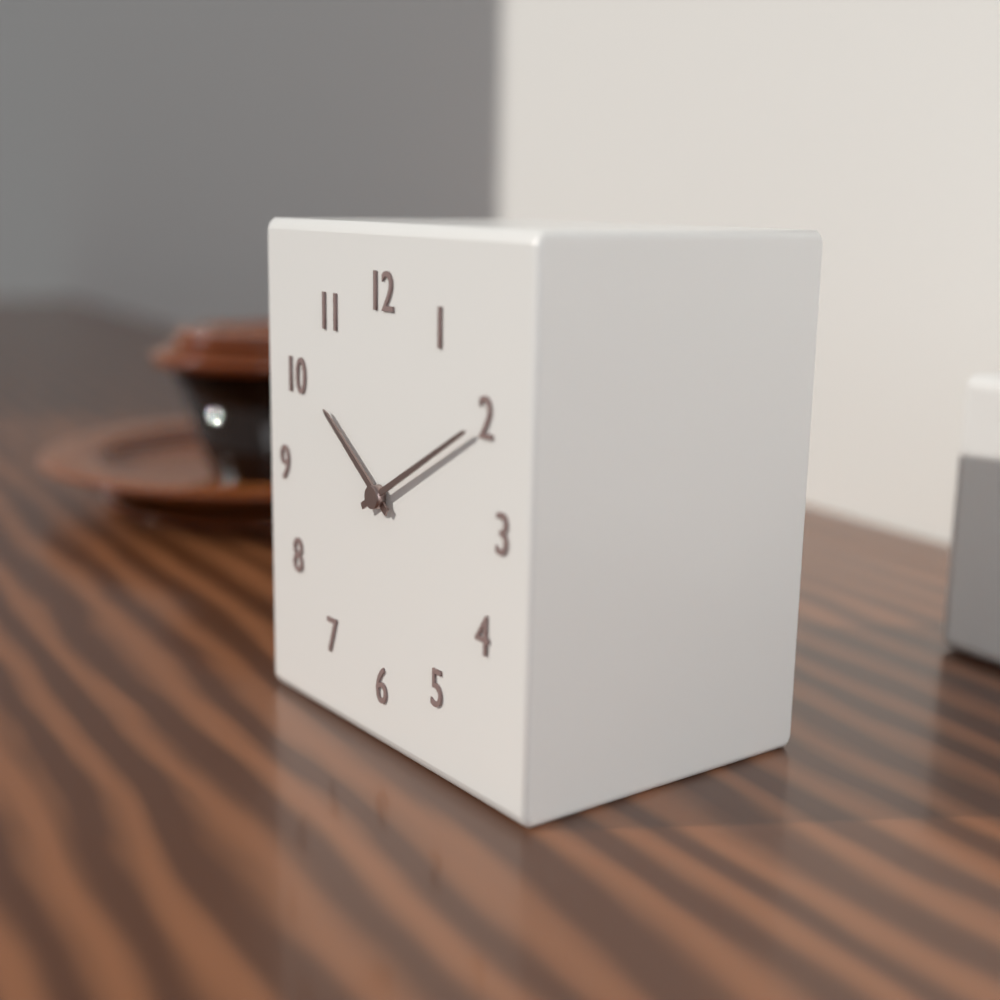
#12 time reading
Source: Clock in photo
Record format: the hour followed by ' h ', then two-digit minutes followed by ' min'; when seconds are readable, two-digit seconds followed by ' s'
10 h 10 min
